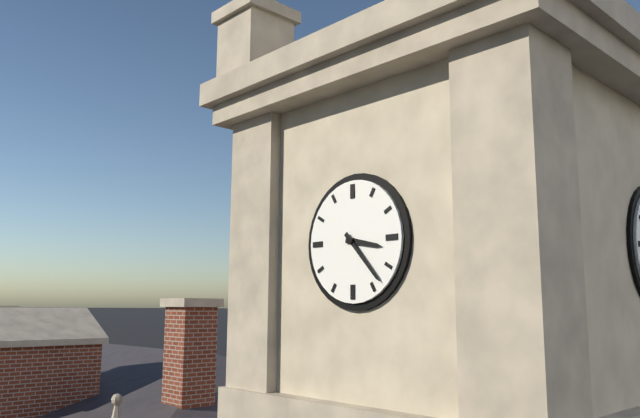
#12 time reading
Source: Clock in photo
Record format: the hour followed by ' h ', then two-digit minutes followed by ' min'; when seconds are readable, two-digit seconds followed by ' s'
3 h 23 min
